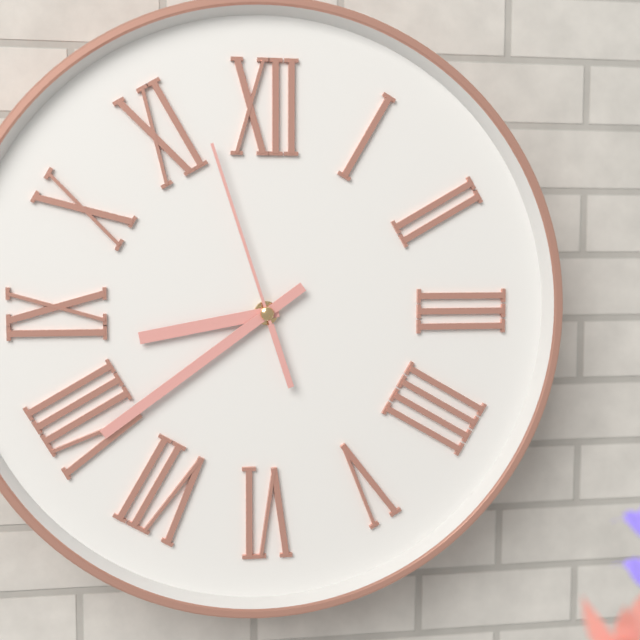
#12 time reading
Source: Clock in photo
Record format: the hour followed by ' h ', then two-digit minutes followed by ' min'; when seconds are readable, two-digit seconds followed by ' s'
8 h 39 min 57 s
